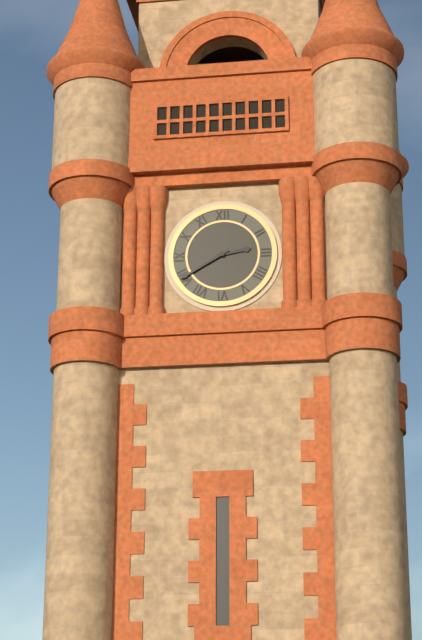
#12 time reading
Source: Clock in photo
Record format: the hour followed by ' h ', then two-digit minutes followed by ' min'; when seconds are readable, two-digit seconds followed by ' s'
2 h 40 min
